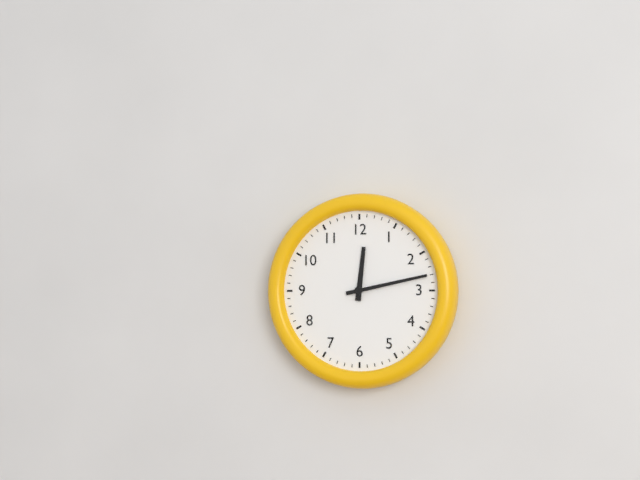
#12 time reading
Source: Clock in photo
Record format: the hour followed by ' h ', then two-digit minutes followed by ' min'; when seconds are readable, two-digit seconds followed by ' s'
12 h 13 min
